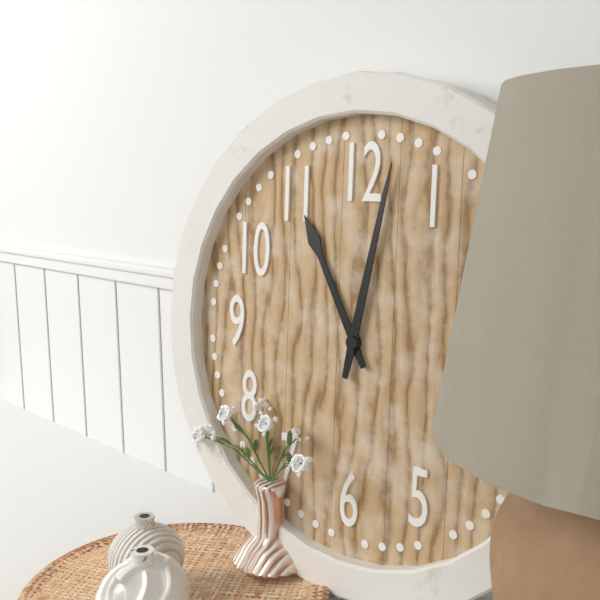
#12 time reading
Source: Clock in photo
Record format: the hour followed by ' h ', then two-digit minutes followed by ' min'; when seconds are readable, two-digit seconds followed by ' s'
11 h 02 min
